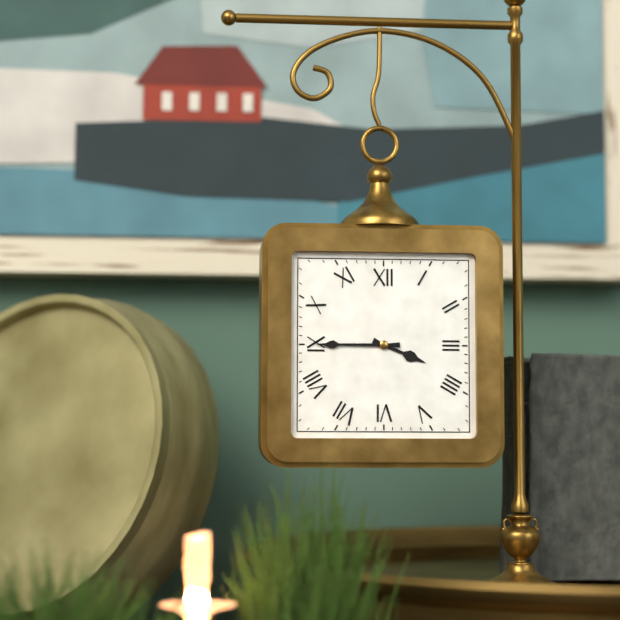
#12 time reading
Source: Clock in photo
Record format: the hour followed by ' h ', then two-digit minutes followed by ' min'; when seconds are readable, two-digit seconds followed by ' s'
3 h 45 min
